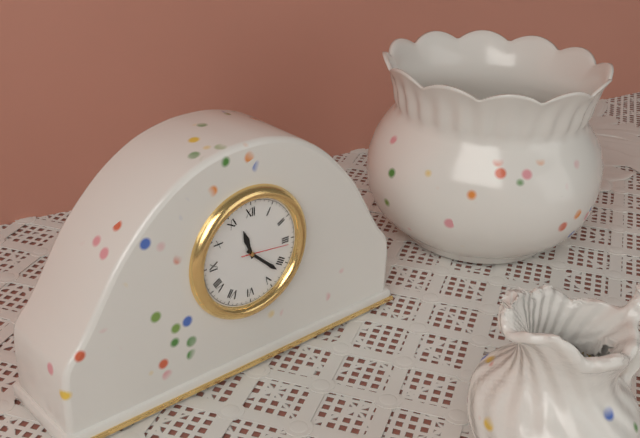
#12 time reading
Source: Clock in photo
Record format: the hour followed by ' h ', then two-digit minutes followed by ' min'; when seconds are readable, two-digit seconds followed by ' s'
11 h 22 min
